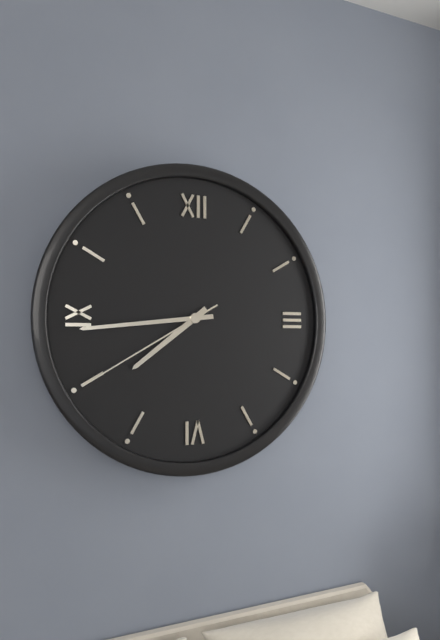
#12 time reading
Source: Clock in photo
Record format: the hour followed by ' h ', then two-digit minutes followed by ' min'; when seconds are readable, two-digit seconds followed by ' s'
7 h 44 min 40 s
